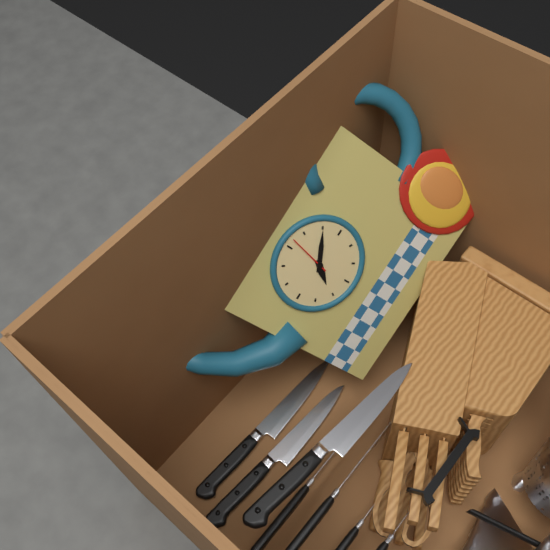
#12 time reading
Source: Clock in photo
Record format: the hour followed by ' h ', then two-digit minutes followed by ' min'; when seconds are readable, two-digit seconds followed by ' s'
7 h 10 min
